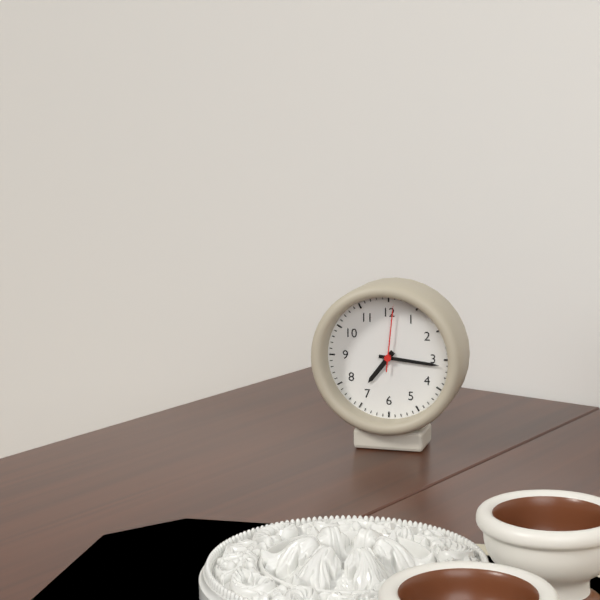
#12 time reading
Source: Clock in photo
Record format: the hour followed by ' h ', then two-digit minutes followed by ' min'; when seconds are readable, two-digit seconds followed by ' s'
7 h 16 min 01 s
